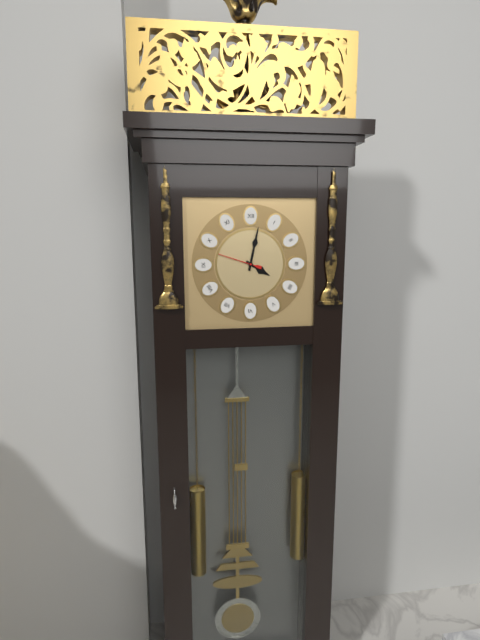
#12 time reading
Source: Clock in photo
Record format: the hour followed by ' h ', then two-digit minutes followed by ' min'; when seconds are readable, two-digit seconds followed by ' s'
4 h 02 min
